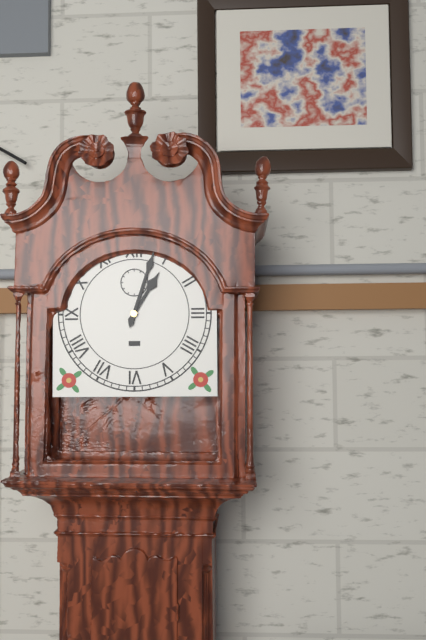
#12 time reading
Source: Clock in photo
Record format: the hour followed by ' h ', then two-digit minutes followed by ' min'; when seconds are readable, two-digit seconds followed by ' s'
1 h 03 min
